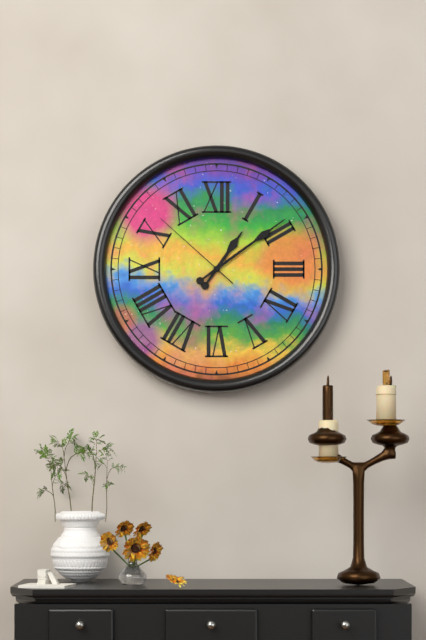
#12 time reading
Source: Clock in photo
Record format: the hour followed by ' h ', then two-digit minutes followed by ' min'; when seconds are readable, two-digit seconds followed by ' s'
1 h 09 min 52 s
